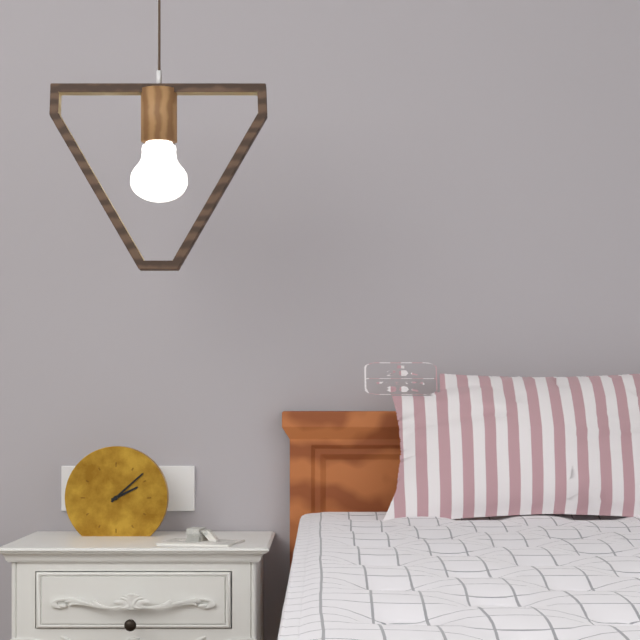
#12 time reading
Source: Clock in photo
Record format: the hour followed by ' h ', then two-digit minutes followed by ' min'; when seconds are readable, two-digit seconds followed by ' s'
2 h 08 min
